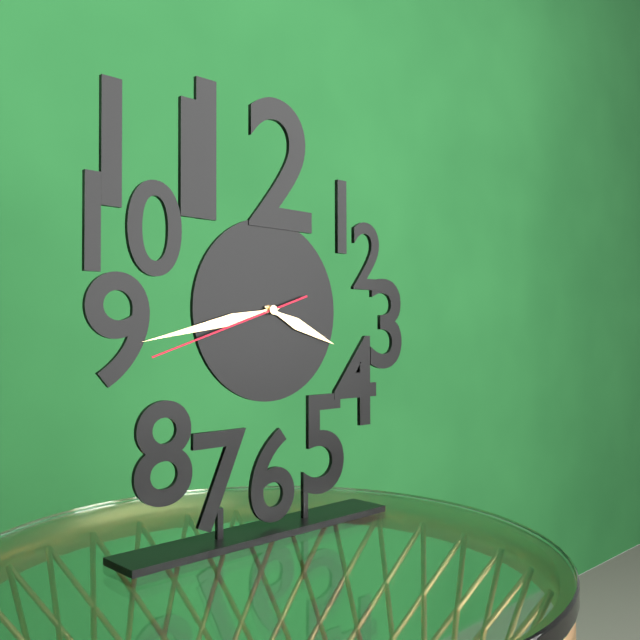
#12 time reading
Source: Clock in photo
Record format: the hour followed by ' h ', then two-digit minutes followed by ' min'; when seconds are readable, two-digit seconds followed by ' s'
3 h 43 min 42 s
